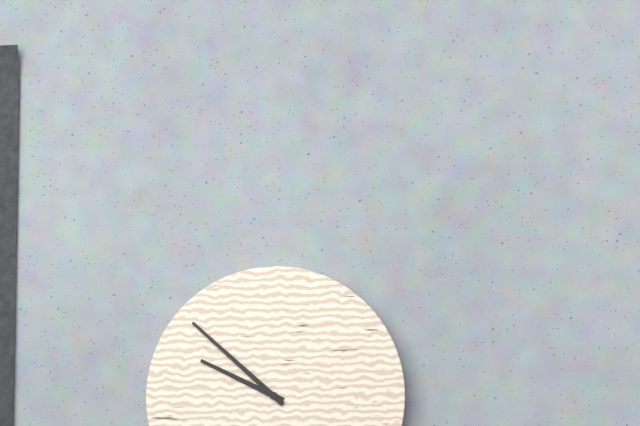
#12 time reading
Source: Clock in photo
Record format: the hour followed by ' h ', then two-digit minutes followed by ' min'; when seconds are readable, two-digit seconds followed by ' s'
9 h 52 min
